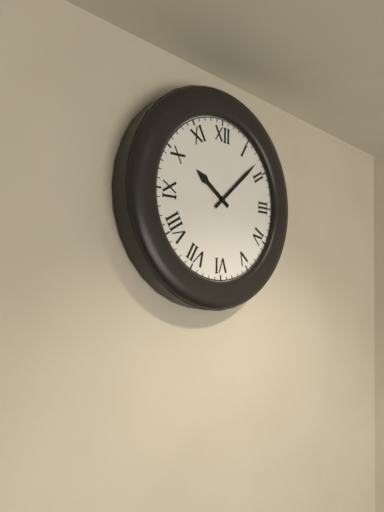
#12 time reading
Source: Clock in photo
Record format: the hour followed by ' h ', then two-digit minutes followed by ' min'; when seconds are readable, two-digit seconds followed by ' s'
10 h 08 min
